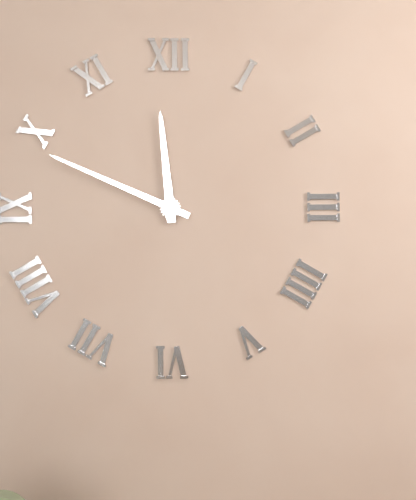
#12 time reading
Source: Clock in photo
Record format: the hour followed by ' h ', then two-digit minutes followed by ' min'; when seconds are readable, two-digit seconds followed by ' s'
11 h 49 min
